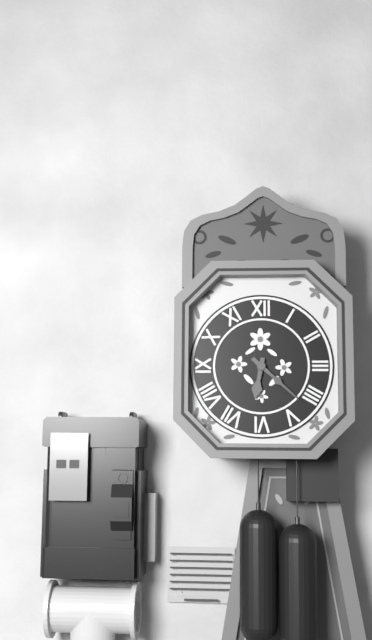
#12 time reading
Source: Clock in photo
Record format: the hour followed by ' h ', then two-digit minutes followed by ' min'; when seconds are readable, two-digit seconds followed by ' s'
6 h 22 min
